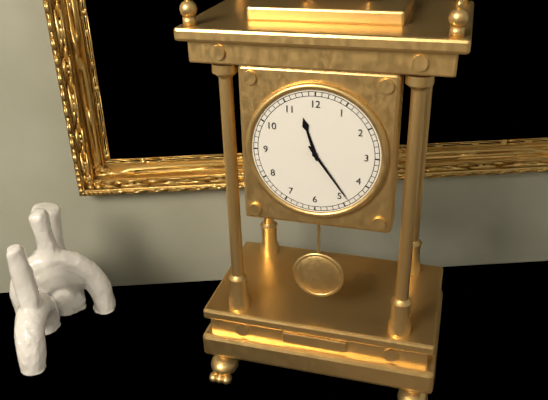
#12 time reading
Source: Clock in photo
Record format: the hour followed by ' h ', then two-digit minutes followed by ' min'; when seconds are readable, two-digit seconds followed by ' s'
11 h 24 min
